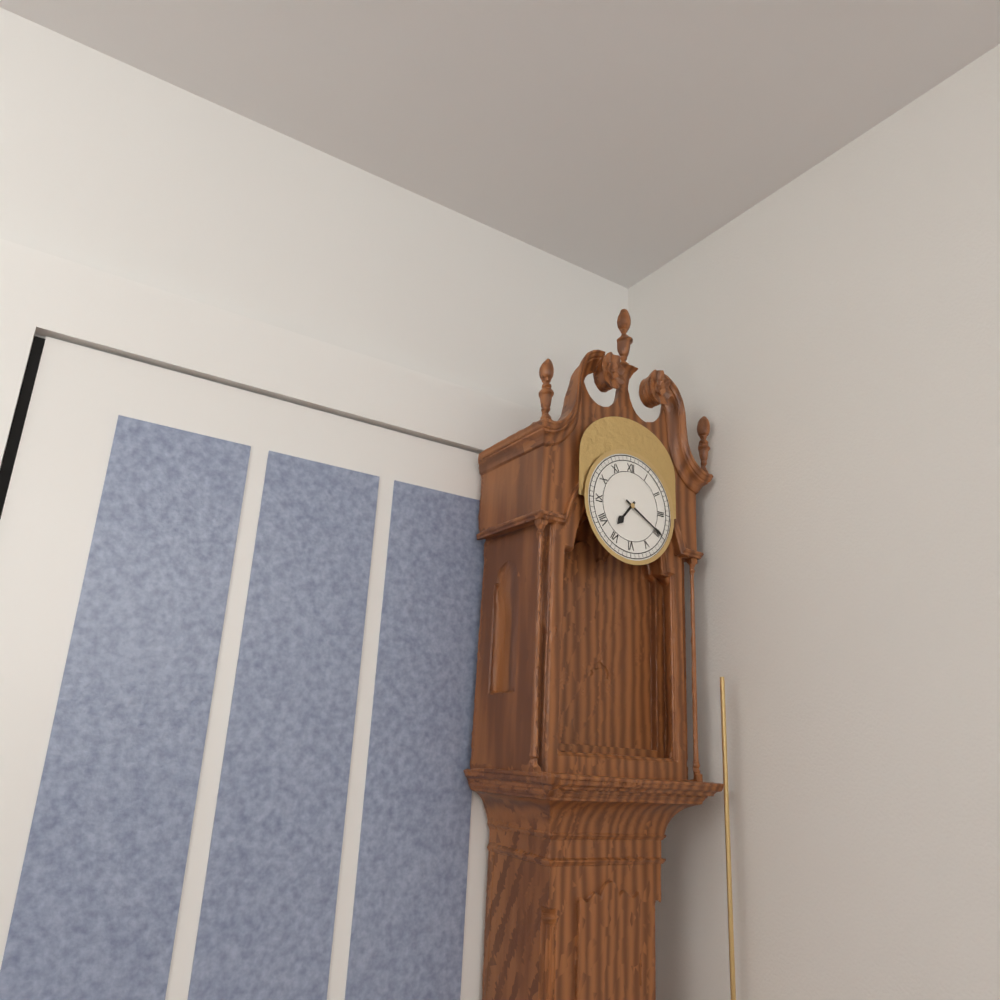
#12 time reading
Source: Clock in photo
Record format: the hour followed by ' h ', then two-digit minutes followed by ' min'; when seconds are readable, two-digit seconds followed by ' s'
7 h 20 min
